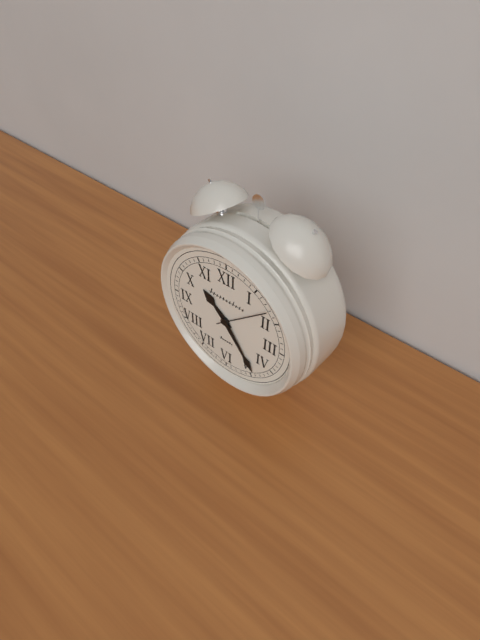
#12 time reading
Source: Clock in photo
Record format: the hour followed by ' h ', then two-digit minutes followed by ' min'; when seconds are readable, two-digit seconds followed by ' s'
10 h 24 min 08 s
